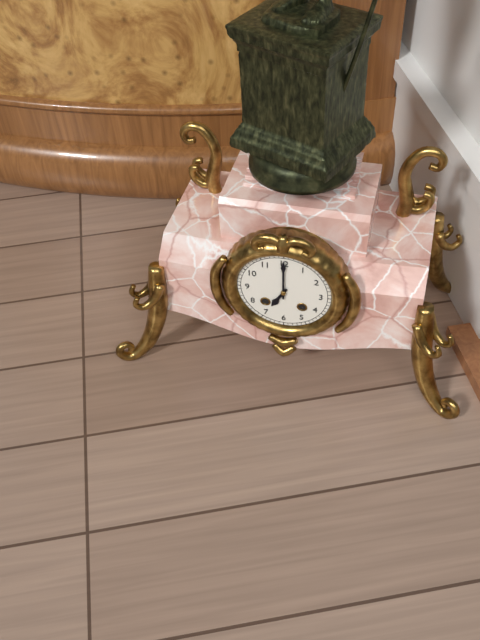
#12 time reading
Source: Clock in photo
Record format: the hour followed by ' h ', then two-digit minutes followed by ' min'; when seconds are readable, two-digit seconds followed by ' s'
7 h 00 min
